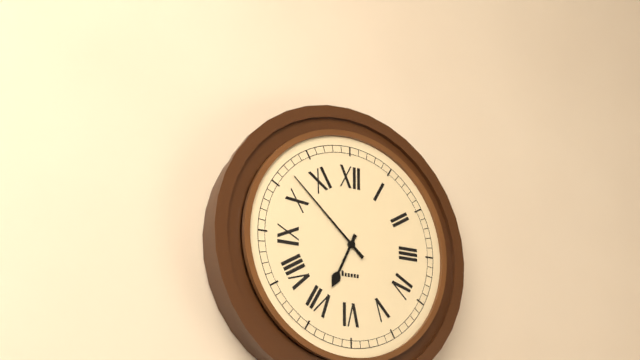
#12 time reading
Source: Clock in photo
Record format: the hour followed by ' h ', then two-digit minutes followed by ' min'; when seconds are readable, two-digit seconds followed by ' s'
6 h 52 min
